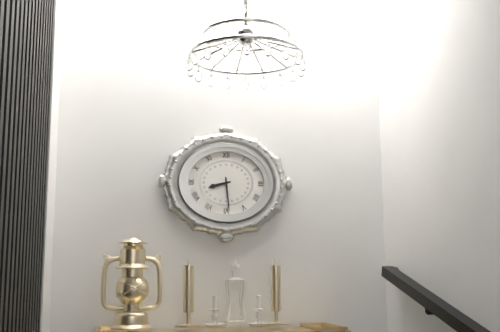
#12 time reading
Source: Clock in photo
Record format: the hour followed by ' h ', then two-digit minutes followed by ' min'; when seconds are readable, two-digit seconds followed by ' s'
8 h 29 min
